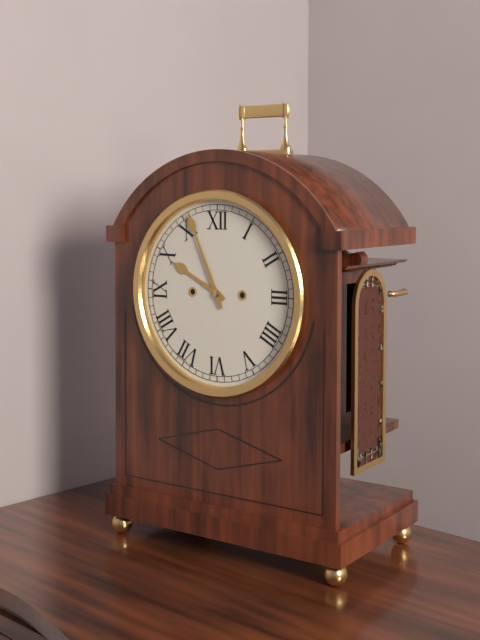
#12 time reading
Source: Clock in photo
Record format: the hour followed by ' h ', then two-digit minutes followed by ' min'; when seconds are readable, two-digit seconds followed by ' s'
9 h 56 min
